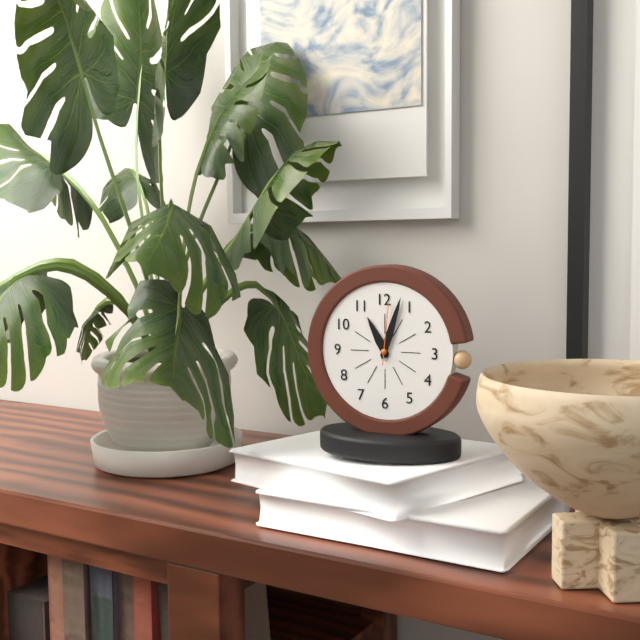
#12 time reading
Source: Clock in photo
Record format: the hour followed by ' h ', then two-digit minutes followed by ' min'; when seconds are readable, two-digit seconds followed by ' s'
11 h 03 min 01 s
